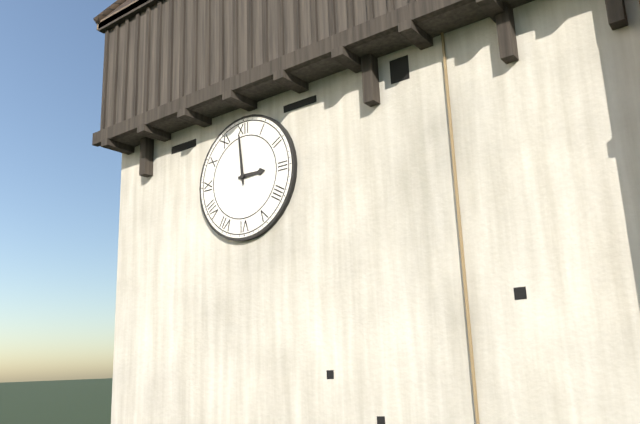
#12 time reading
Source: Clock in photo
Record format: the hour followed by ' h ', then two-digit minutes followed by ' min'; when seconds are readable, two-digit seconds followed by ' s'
2 h 59 min
